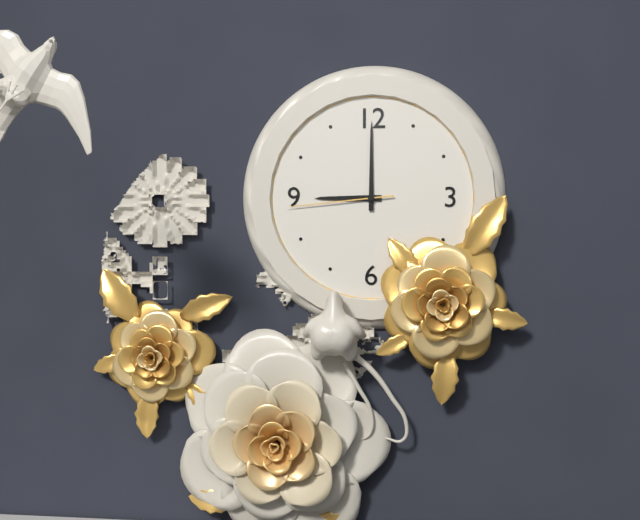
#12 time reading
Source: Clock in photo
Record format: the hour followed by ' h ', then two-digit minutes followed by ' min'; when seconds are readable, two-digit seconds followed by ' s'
9 h 00 min 44 s
